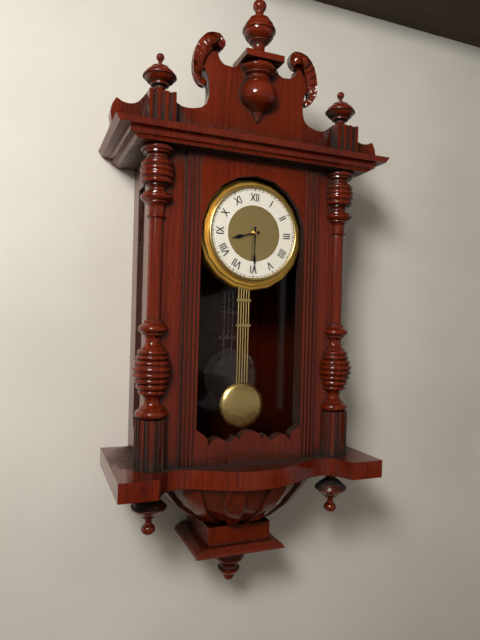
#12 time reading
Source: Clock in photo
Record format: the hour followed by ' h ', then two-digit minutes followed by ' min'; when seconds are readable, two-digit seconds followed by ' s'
8 h 30 min
